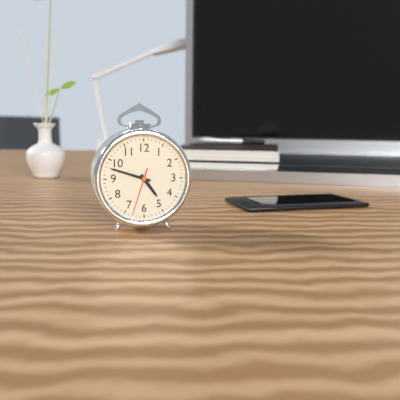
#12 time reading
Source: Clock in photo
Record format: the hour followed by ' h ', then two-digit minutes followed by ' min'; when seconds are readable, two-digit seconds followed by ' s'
4 h 48 min
